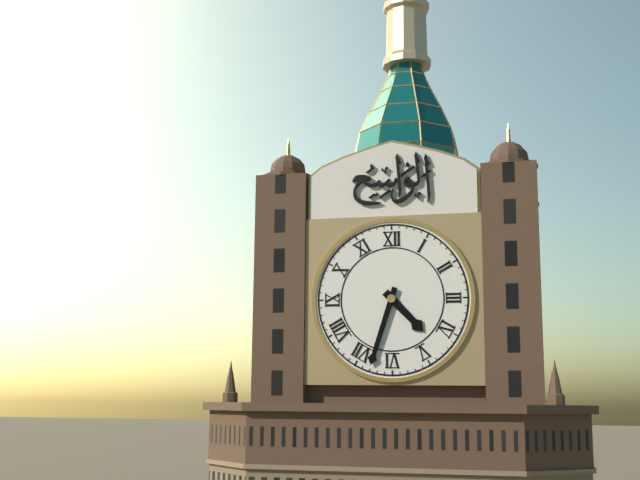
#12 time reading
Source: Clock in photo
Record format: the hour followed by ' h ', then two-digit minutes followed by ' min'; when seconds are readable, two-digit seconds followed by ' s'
4 h 33 min
